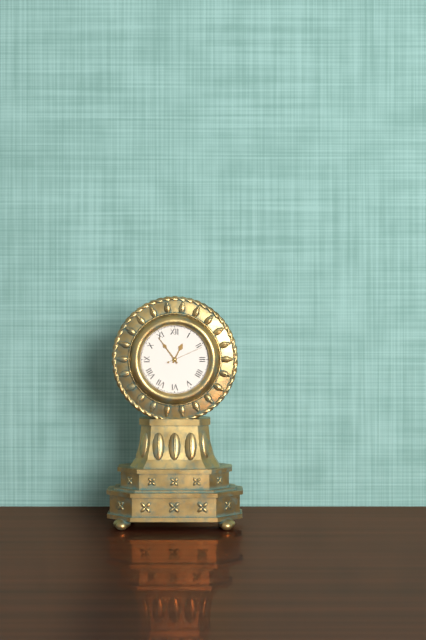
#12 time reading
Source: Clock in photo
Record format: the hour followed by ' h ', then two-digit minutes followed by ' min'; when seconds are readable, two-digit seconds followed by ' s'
12 h 54 min
